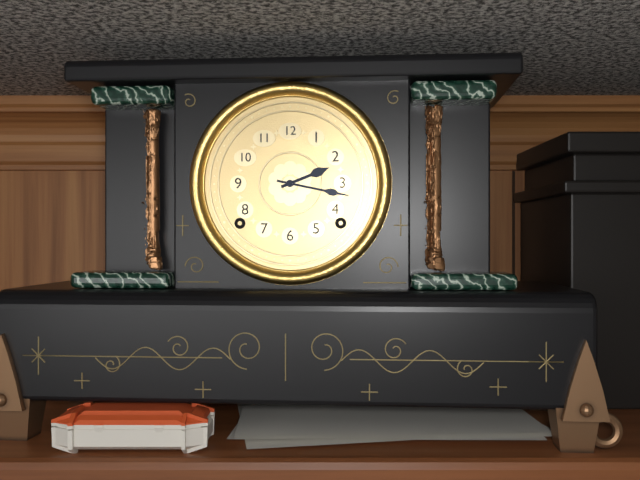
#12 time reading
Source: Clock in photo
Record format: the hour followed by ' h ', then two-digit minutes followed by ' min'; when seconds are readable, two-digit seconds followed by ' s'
2 h 17 min
